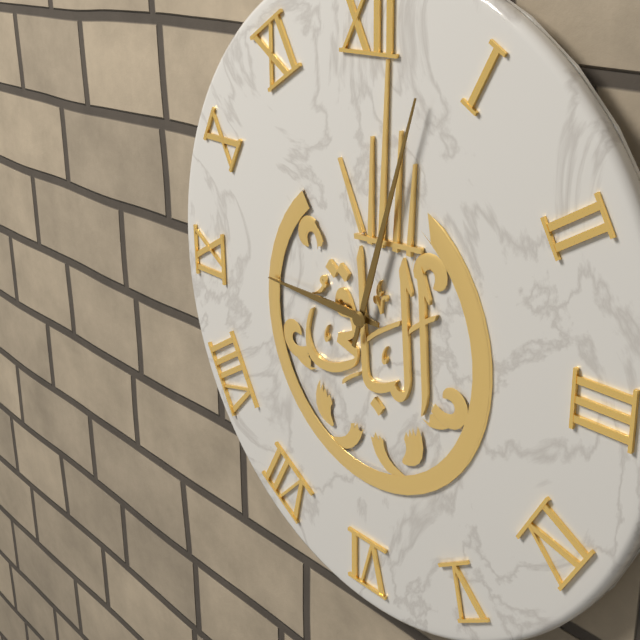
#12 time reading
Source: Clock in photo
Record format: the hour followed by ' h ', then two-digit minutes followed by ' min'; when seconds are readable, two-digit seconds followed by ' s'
9 h 03 min
